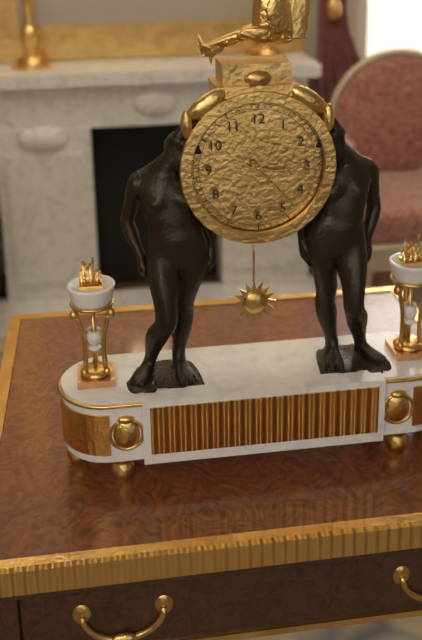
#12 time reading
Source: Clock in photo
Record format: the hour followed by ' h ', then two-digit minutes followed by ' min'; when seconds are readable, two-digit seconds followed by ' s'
3 h 23 min
